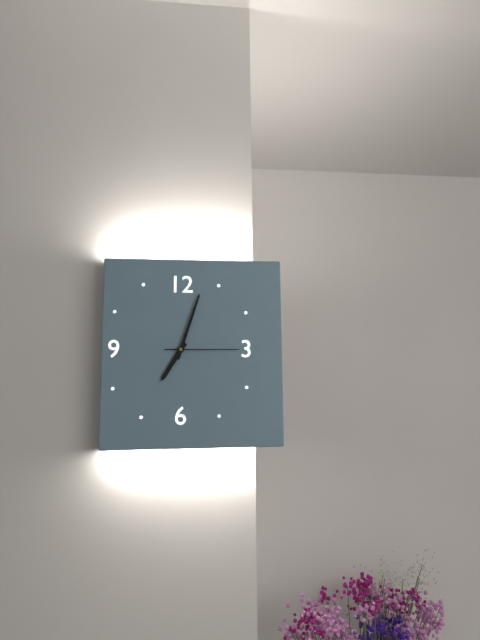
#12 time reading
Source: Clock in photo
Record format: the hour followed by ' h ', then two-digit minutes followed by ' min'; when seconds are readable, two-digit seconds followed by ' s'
7 h 03 min 15 s
